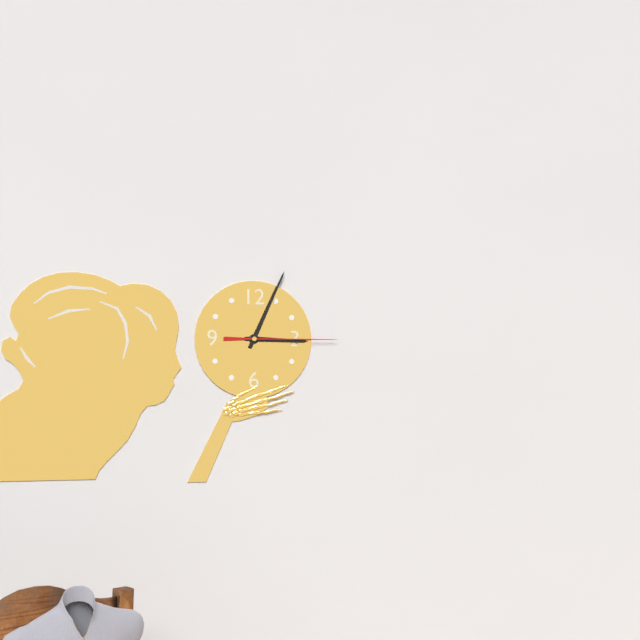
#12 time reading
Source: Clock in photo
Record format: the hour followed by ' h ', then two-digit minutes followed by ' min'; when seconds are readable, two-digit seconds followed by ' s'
3 h 04 min 15 s
